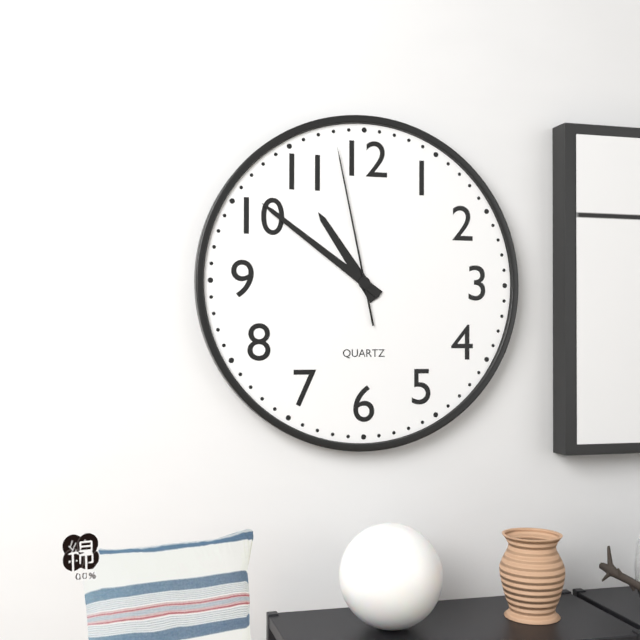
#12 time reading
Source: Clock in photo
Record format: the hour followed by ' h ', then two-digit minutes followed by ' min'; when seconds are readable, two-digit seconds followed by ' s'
10 h 51 min 58 s
